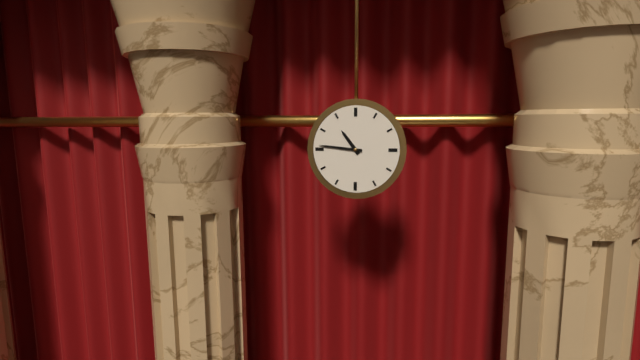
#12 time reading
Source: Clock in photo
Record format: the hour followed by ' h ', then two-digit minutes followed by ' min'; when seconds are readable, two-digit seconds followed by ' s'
10 h 46 min
